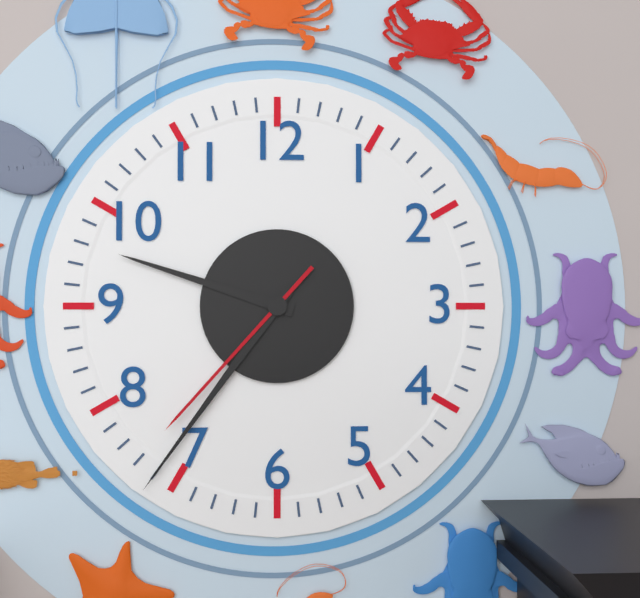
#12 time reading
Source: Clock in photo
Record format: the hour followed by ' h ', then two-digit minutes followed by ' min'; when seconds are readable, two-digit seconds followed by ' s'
9 h 36 min 37 s
